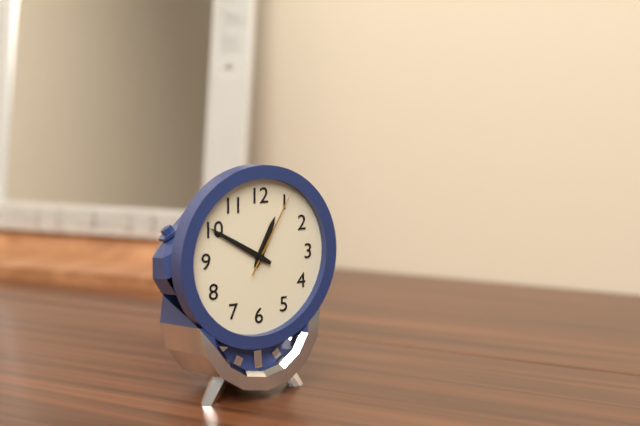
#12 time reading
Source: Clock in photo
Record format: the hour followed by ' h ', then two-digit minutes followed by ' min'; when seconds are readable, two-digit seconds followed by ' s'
12 h 50 min 05 s
